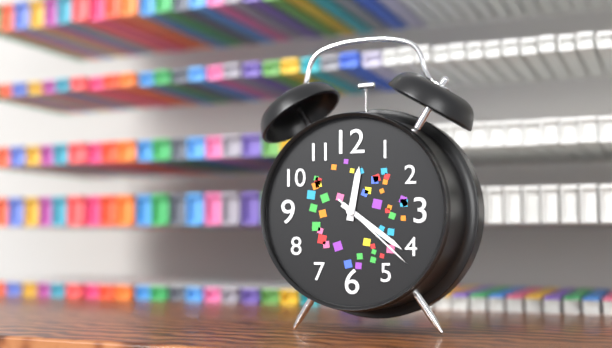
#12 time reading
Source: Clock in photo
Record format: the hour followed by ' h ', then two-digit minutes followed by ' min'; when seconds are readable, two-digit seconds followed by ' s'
12 h 21 min 22 s
